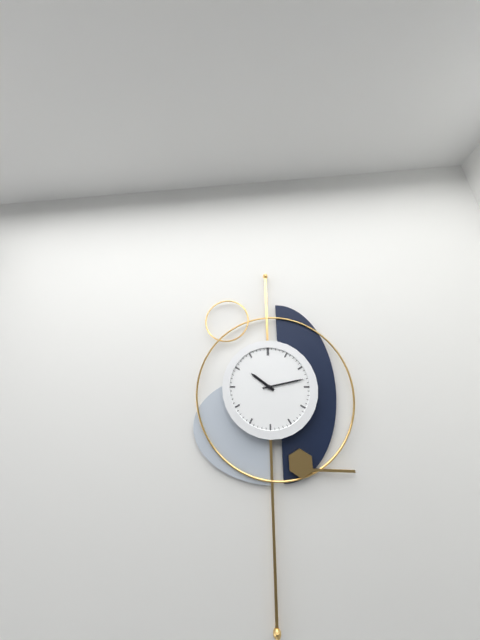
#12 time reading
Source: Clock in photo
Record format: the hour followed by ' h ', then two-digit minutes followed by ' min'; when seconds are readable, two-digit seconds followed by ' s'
10 h 13 min
